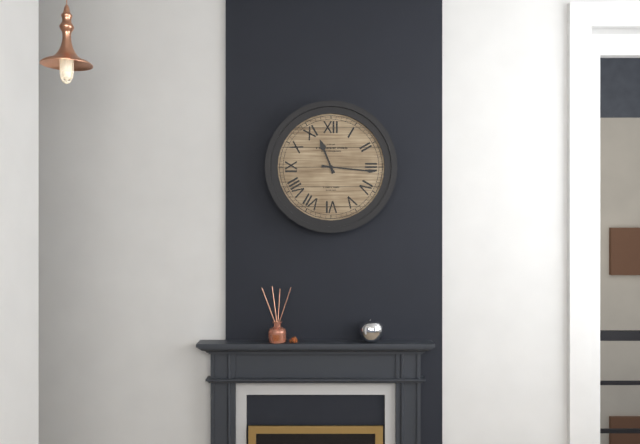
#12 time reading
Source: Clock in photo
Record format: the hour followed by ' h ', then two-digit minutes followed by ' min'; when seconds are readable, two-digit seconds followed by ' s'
11 h 16 min
